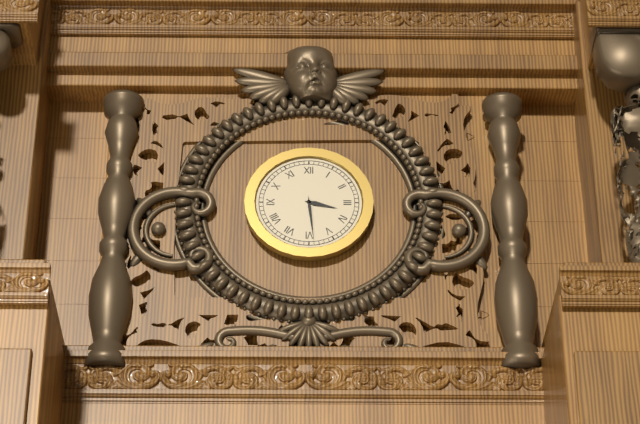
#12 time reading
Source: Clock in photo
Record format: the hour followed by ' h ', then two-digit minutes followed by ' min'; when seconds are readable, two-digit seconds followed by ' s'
3 h 29 min
